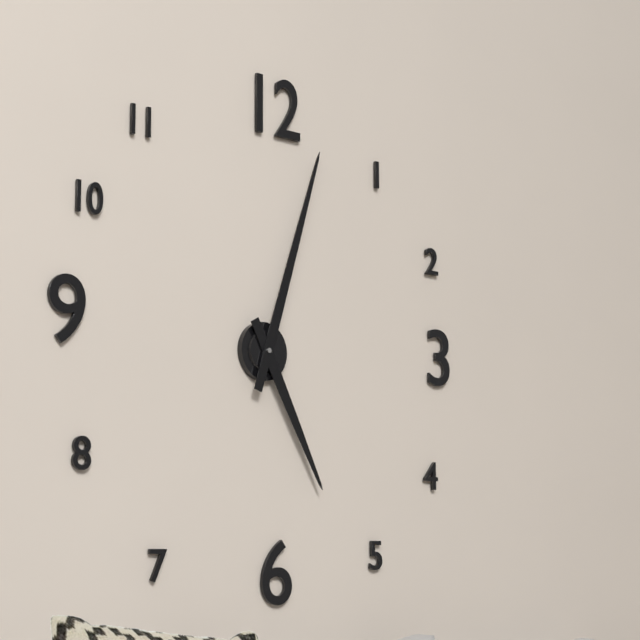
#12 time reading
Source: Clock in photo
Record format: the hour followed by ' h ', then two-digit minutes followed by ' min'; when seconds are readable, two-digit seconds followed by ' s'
5 h 03 min
